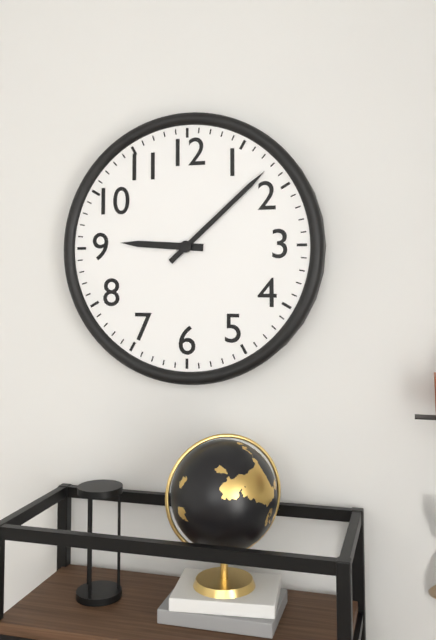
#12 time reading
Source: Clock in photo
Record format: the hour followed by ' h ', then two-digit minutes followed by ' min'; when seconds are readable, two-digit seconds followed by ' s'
9 h 08 min
